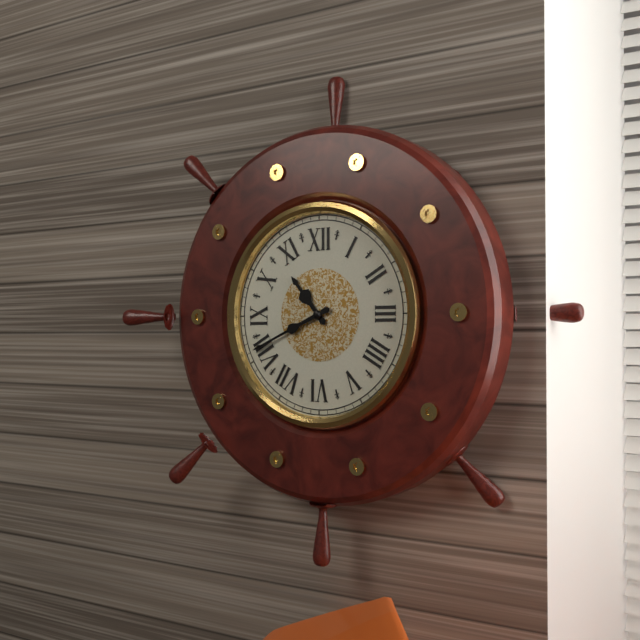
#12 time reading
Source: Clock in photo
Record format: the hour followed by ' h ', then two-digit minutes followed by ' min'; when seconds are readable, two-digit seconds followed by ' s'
10 h 41 min
